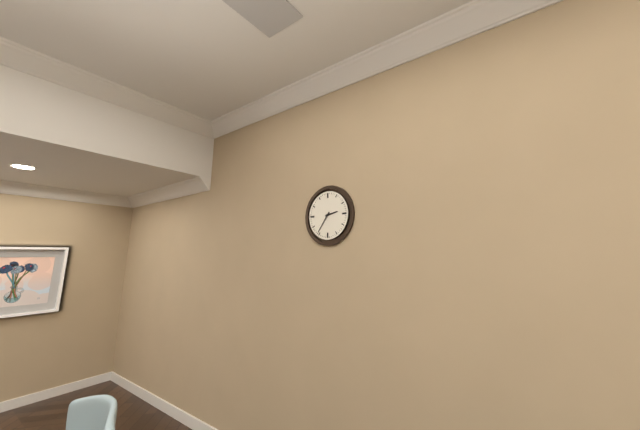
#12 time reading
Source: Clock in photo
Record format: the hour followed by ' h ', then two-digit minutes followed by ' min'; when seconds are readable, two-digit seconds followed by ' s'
2 h 36 min
